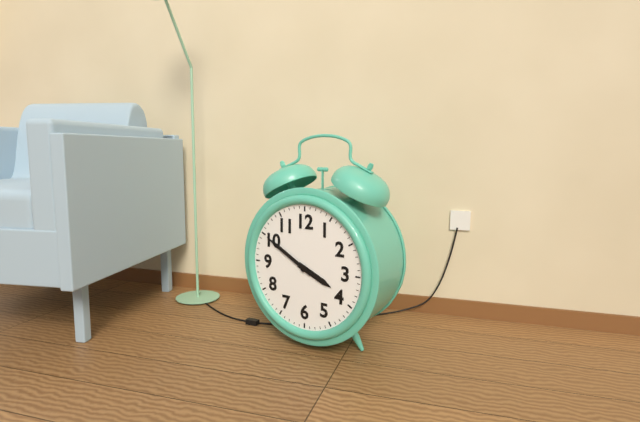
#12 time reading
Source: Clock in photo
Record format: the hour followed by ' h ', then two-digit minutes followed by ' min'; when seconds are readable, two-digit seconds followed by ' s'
3 h 50 min
